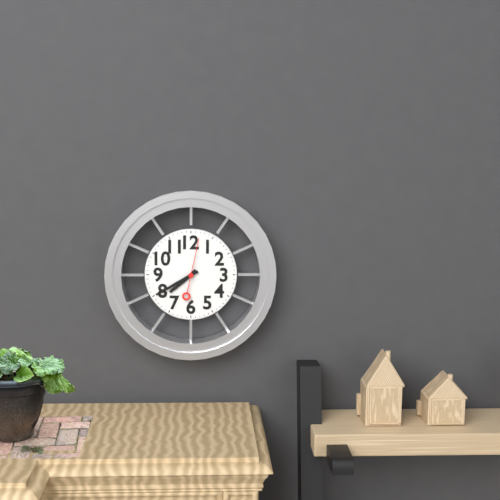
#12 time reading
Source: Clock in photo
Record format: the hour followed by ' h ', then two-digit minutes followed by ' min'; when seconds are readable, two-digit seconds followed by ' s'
7 h 40 min
